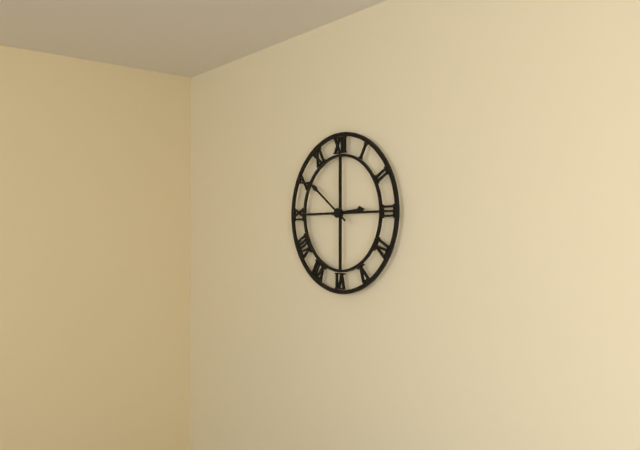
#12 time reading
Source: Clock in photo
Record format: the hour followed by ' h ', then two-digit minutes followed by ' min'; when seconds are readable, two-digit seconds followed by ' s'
2 h 51 min
